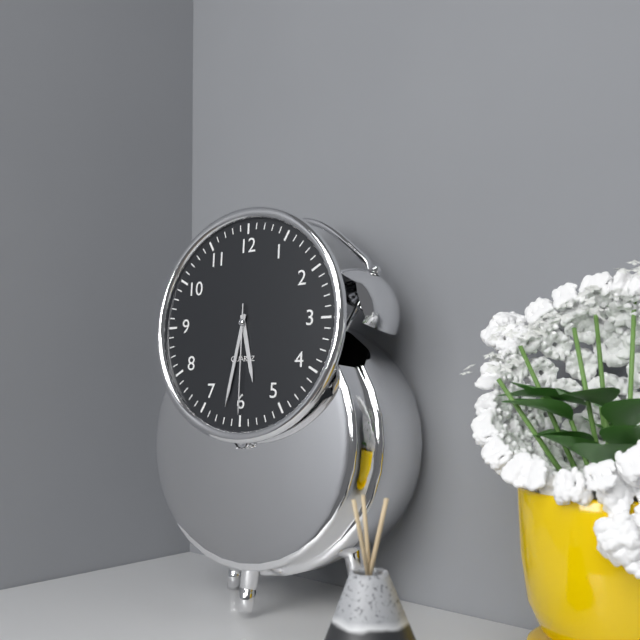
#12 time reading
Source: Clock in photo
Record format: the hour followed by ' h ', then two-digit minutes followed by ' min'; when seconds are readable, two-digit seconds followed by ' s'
5 h 32 min 30 s
